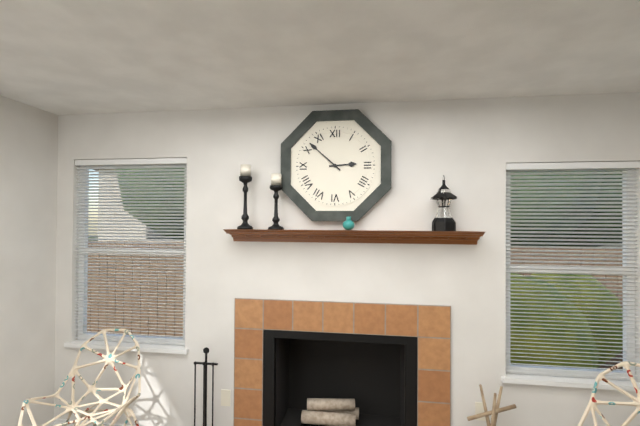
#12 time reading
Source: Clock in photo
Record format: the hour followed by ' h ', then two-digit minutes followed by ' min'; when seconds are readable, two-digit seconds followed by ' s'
2 h 52 min
